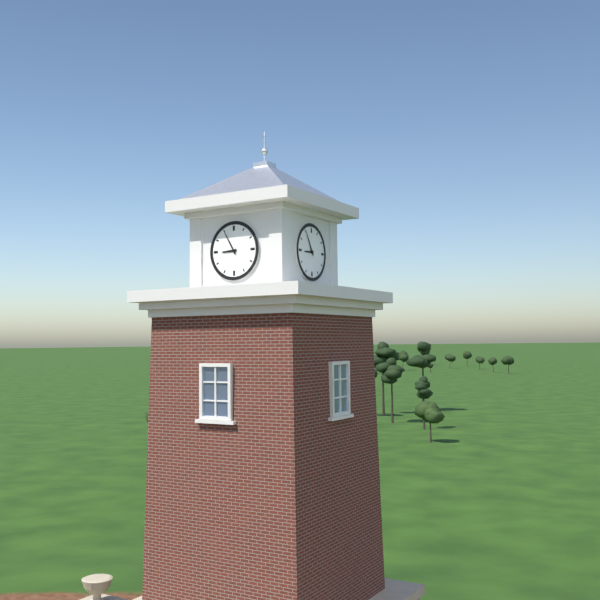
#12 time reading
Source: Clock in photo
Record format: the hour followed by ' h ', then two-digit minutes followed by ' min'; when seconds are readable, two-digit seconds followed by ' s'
8 h 55 min
